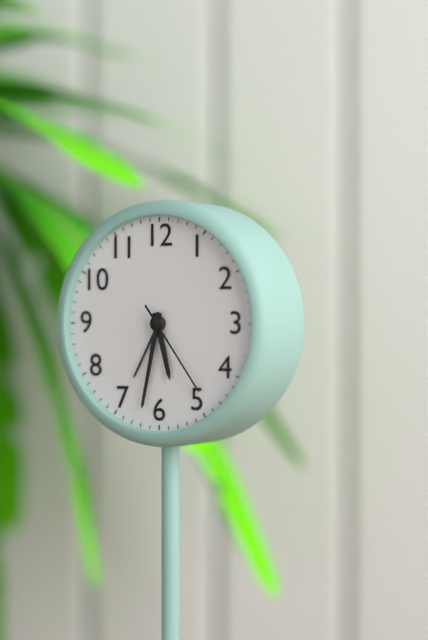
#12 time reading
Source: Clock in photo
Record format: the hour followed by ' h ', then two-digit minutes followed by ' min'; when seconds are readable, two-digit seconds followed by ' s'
5 h 32 min 24 s
